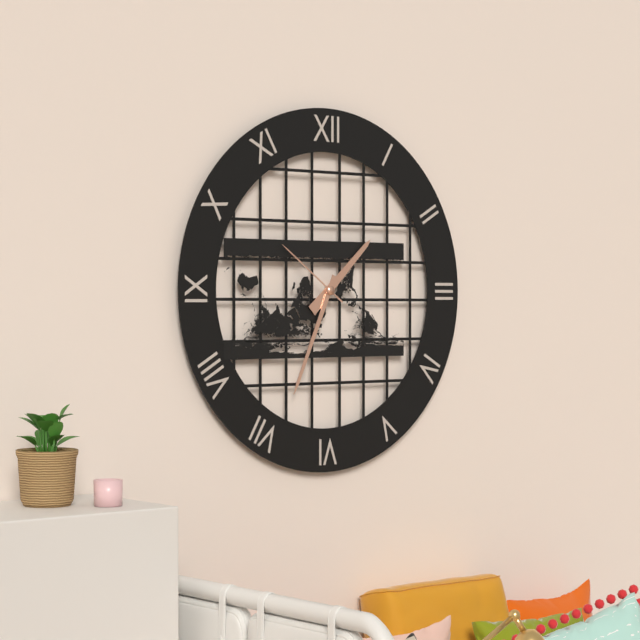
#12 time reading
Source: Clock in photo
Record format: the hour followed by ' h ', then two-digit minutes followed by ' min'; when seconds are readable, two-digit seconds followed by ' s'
1 h 34 min 51 s
